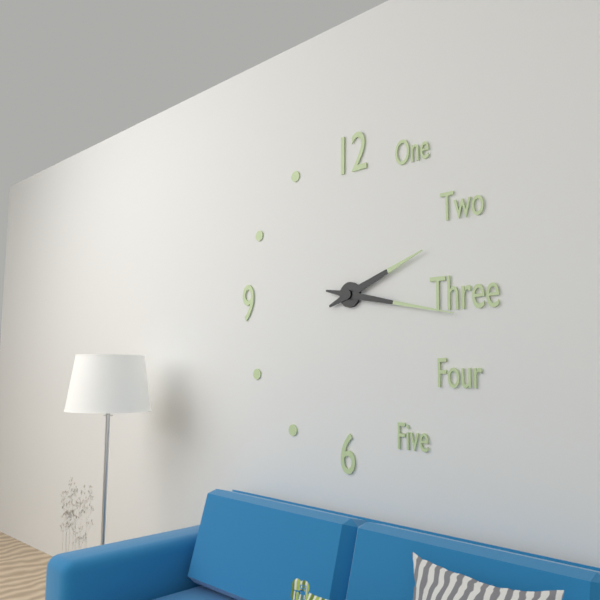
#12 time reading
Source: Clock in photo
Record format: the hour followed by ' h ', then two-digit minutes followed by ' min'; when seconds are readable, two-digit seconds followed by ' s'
2 h 17 min
